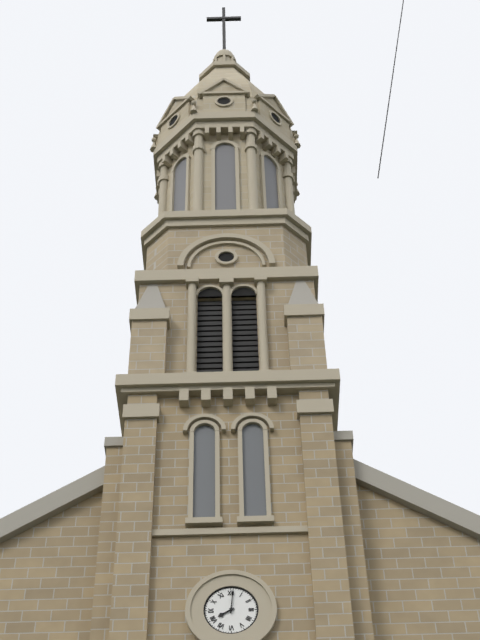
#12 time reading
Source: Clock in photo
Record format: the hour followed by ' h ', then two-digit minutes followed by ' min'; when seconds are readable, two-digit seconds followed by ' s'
8 h 01 min
